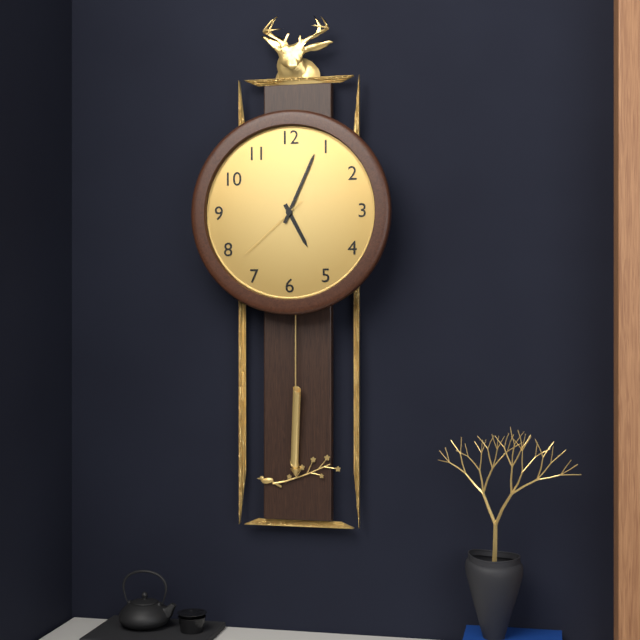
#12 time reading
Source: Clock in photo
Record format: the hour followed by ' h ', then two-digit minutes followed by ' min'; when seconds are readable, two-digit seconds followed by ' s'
5 h 04 min 38 s
